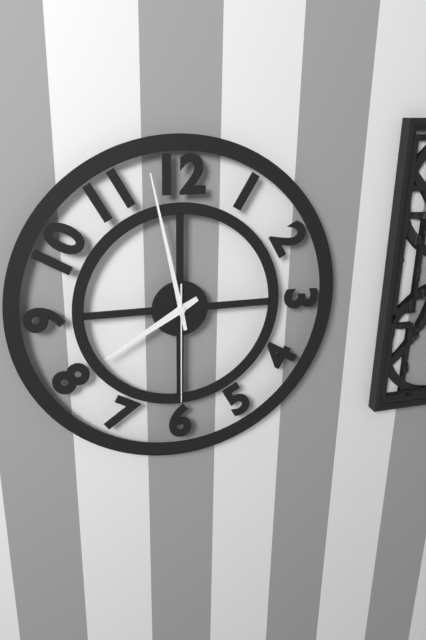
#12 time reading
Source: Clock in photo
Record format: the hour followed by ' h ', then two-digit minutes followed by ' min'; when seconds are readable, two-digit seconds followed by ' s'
7 h 58 min 30 s
